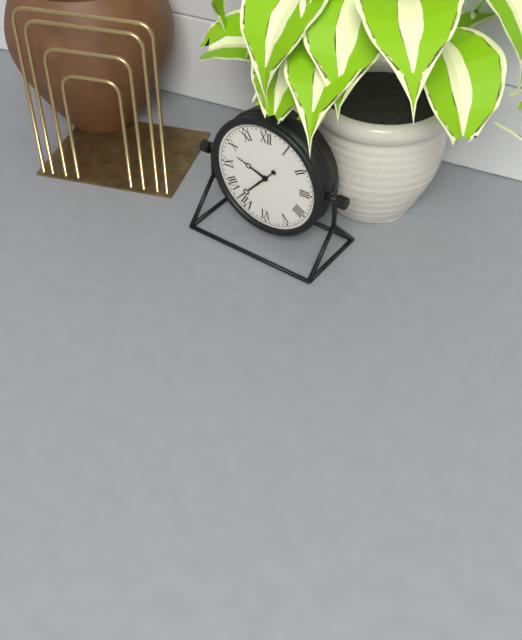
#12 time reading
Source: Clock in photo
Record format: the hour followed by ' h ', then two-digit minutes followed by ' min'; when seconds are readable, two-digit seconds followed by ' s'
9 h 37 min
